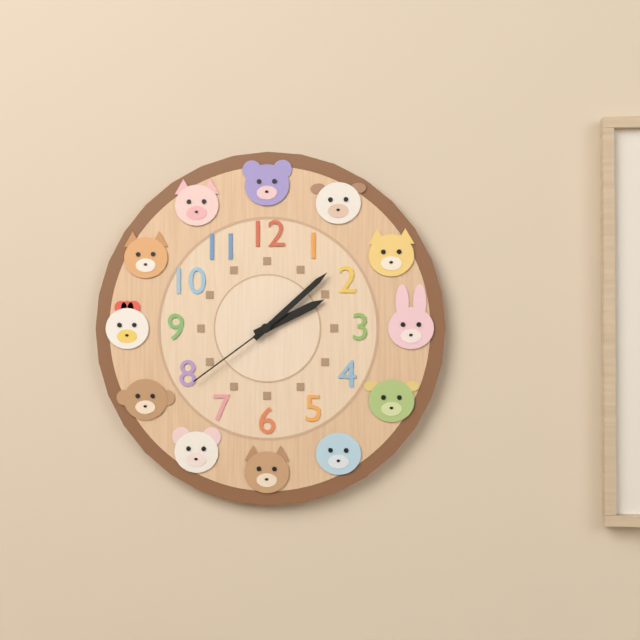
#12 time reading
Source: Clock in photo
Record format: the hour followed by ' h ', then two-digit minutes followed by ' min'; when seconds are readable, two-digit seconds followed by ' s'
2 h 08 min 39 s
